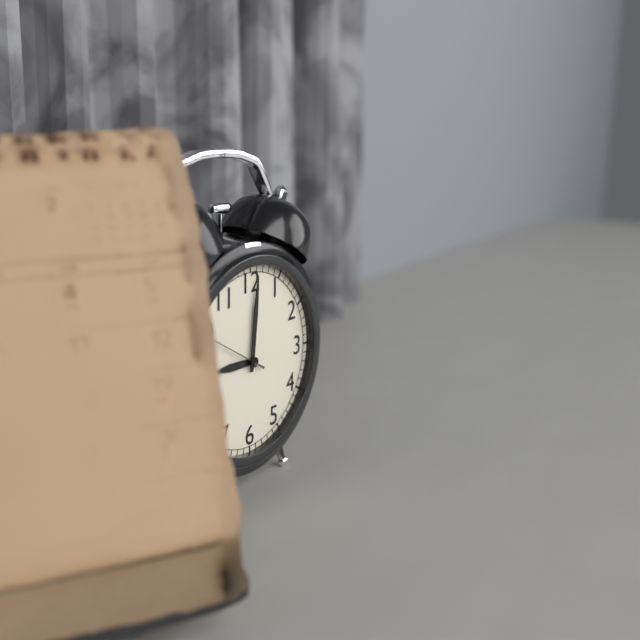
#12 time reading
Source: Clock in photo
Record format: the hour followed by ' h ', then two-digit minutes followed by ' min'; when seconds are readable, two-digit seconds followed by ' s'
9 h 01 min 50 s
